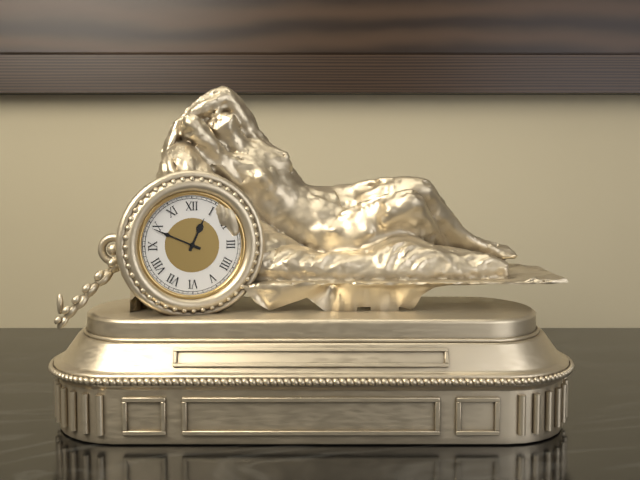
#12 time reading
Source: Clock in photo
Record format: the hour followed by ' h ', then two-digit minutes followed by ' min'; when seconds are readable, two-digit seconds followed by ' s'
12 h 49 min
